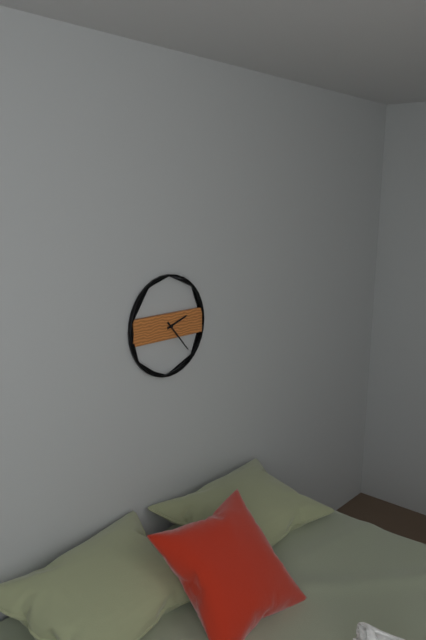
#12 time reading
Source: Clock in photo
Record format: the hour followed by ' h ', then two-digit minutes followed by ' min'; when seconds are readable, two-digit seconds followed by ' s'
2 h 23 min
